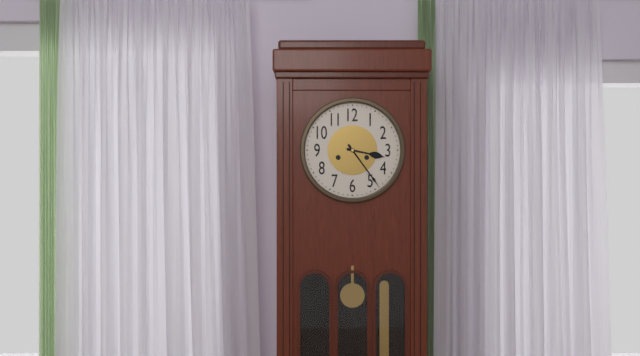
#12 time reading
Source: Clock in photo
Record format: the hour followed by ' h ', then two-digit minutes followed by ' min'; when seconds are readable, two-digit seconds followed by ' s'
3 h 24 min
